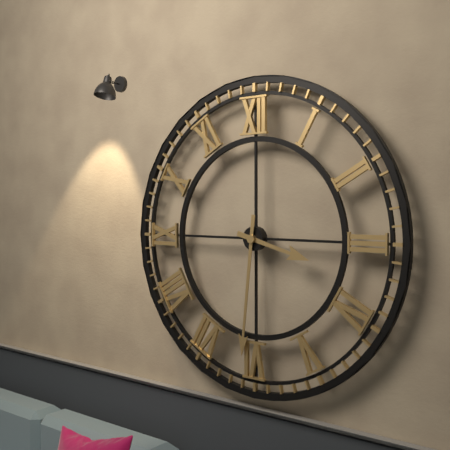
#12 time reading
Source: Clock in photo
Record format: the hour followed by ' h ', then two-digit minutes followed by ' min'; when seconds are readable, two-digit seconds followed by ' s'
3 h 31 min
